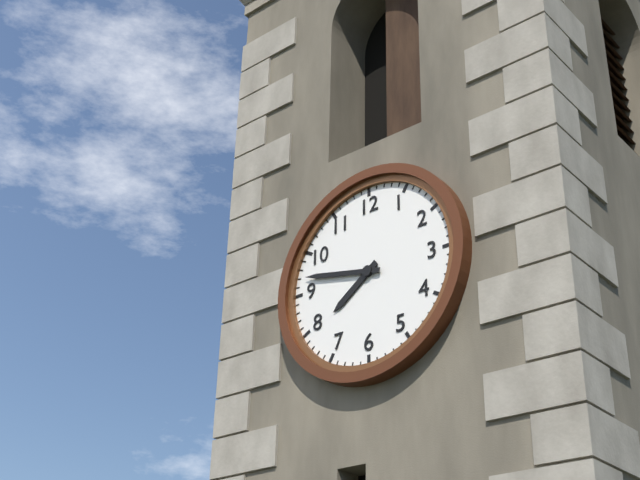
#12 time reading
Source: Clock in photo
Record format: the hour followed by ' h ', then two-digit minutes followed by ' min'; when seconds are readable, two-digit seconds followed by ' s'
7 h 47 min
